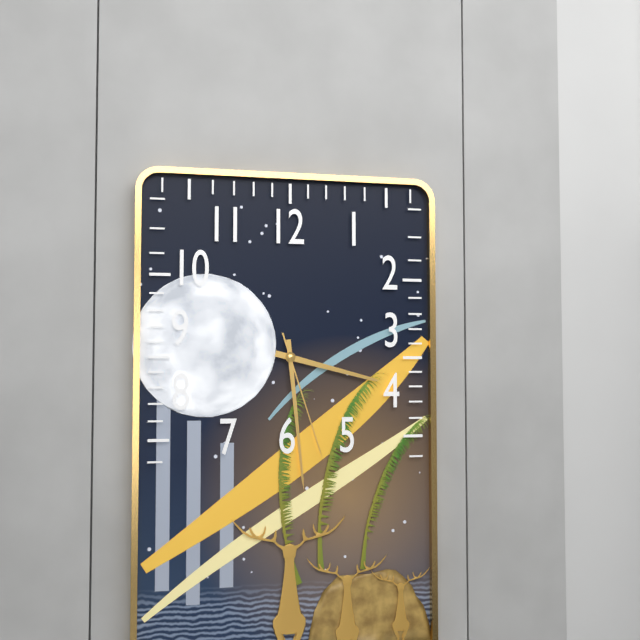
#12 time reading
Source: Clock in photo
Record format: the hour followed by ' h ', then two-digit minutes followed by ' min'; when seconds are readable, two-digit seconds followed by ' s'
3 h 29 min 27 s
